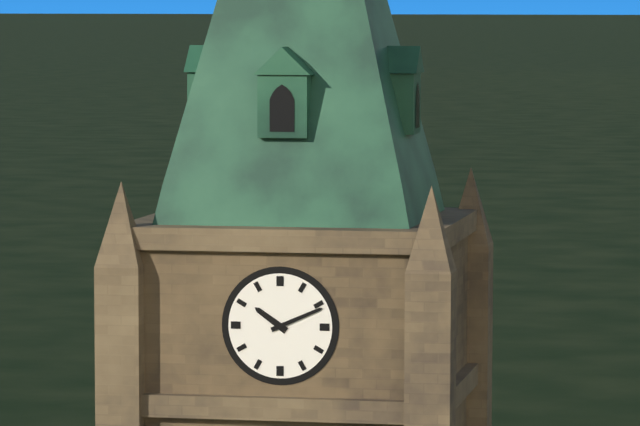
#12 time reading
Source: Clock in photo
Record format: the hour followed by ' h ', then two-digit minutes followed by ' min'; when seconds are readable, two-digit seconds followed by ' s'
10 h 11 min
